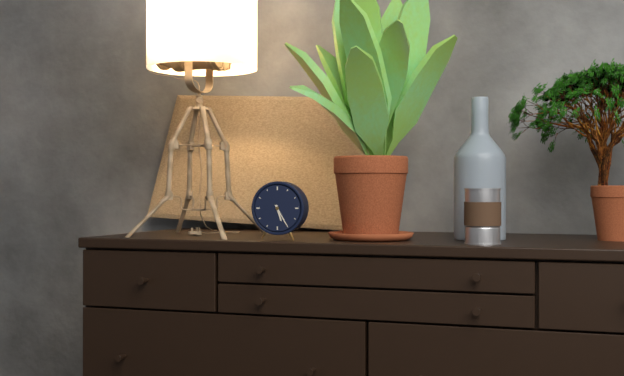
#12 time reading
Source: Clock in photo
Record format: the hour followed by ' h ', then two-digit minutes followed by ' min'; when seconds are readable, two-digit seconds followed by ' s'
5 h 25 min
